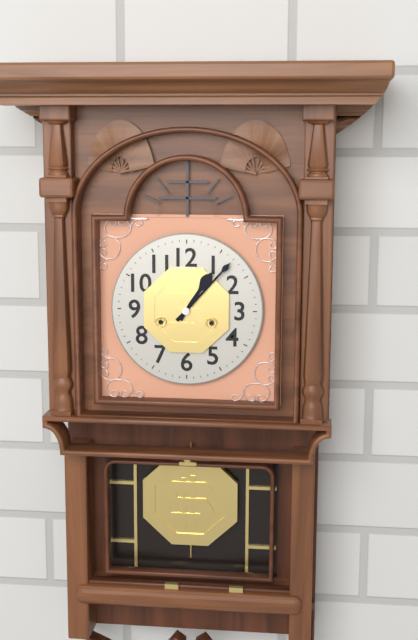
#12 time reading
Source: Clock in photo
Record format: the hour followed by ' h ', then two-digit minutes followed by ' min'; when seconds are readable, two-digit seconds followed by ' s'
1 h 07 min
